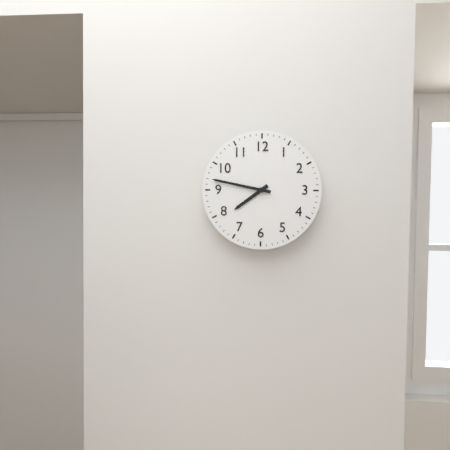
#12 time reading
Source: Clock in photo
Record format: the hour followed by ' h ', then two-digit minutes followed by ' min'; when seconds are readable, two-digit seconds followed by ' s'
7 h 47 min
